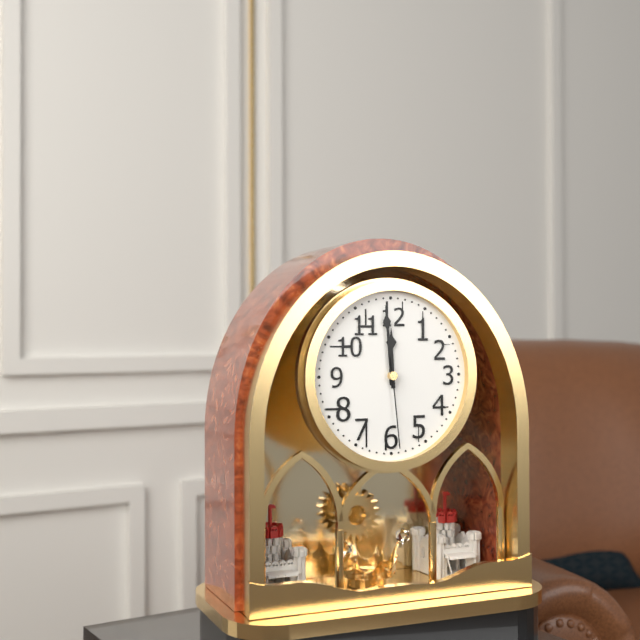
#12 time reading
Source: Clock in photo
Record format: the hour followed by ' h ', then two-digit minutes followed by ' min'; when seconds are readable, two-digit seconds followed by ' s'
11 h 59 min 29 s
